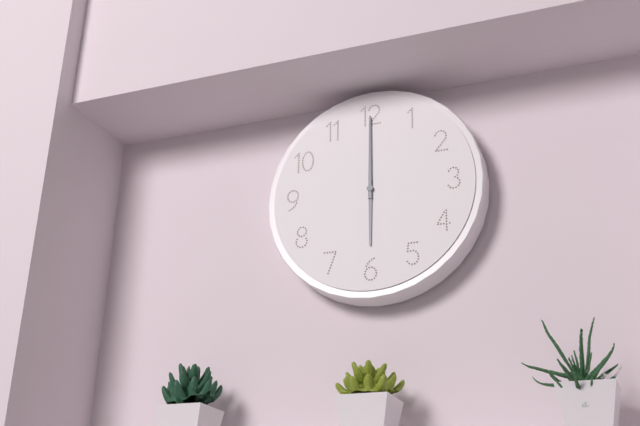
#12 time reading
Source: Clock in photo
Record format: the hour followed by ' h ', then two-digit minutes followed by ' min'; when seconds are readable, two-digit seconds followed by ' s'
6 h 00 min
